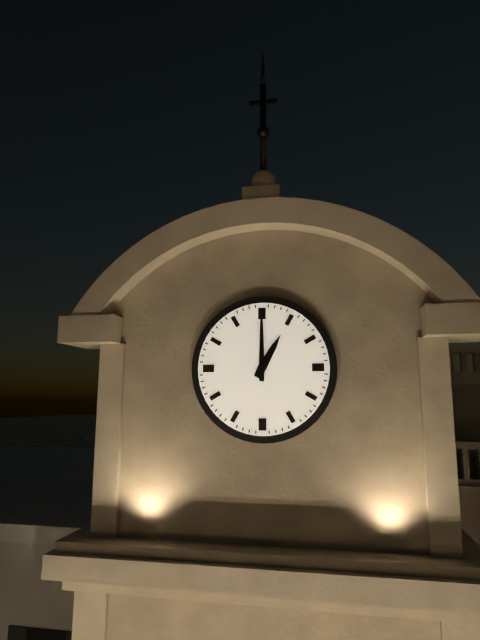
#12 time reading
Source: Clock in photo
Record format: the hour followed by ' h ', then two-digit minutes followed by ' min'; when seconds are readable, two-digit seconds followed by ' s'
1 h 00 min
